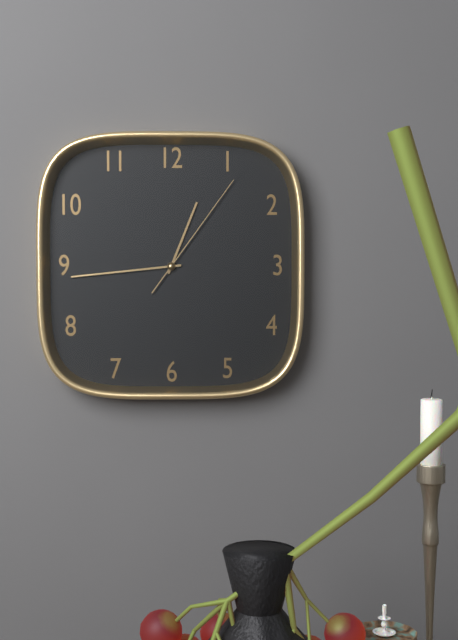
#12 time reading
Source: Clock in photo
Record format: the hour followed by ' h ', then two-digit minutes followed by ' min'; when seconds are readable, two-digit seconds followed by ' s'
12 h 44 min 06 s
